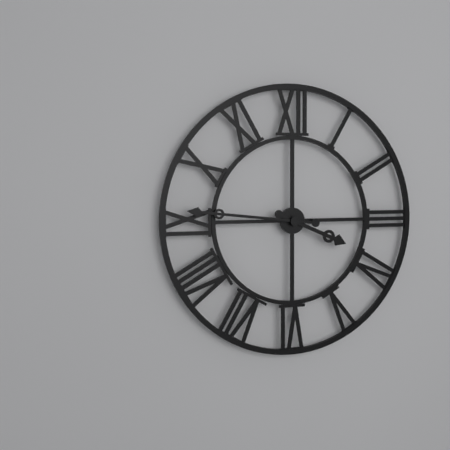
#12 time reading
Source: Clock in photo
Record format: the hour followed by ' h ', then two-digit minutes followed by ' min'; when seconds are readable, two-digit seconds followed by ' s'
3 h 46 min
